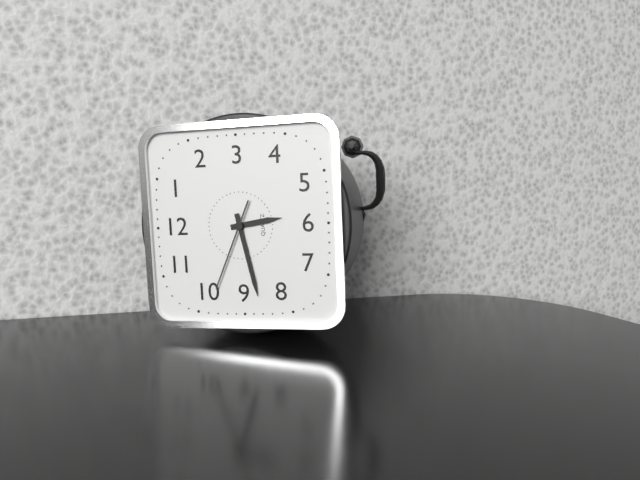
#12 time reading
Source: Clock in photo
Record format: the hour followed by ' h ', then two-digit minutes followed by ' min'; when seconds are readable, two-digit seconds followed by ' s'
5 h 43 min 49 s
